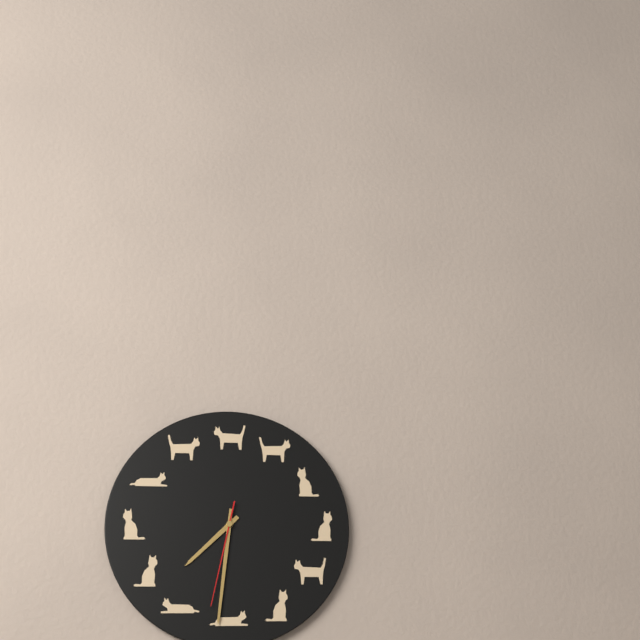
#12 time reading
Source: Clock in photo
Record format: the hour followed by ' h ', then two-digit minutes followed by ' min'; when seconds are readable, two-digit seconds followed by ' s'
7 h 31 min 32 s
